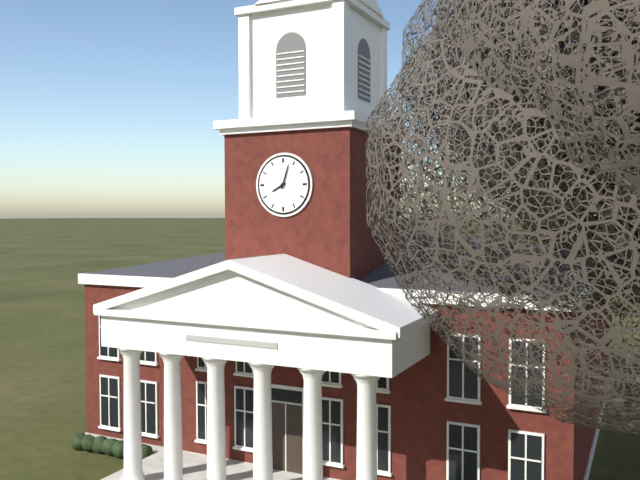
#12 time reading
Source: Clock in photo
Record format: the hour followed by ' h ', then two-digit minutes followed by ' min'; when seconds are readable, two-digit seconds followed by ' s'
8 h 03 min
